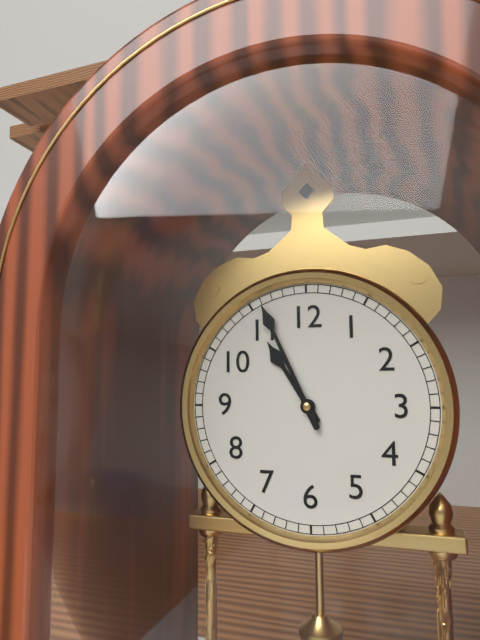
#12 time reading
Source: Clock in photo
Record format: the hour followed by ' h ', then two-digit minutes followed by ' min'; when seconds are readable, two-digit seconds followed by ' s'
10 h 56 min
